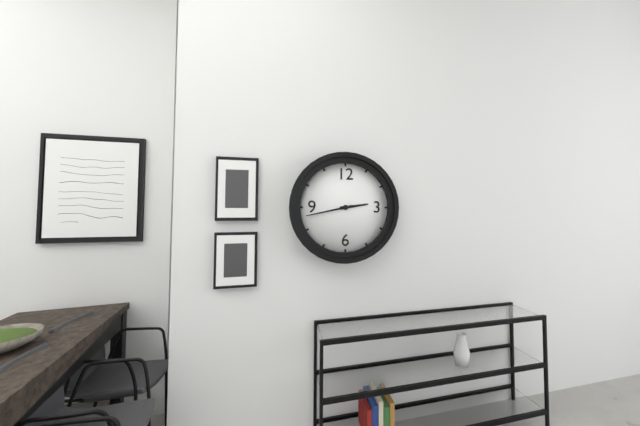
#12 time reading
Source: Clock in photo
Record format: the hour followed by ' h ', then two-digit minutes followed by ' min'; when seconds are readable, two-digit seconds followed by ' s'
2 h 43 min
